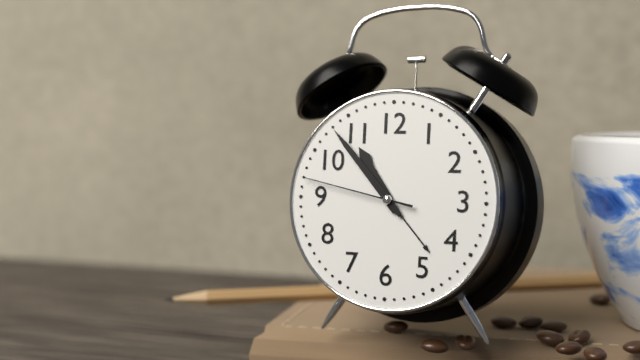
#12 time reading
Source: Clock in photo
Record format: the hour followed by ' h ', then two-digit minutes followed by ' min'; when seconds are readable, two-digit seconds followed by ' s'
10 h 53 min 47 s
